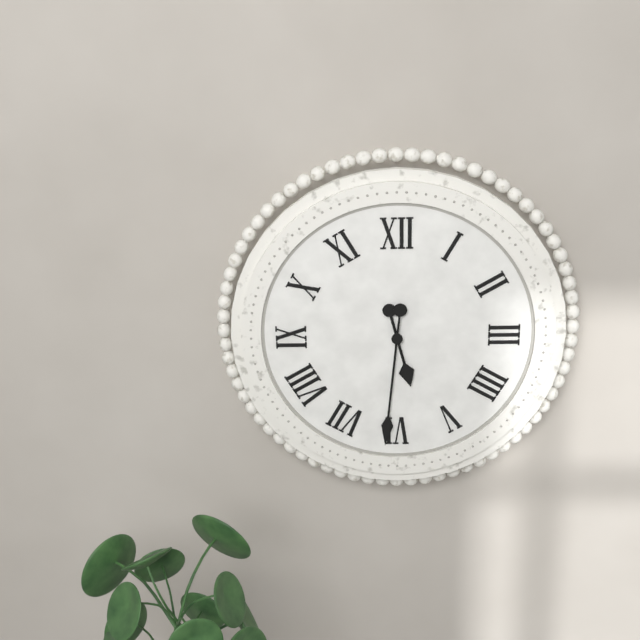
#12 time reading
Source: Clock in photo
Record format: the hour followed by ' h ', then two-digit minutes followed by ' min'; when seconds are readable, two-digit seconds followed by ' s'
5 h 31 min
